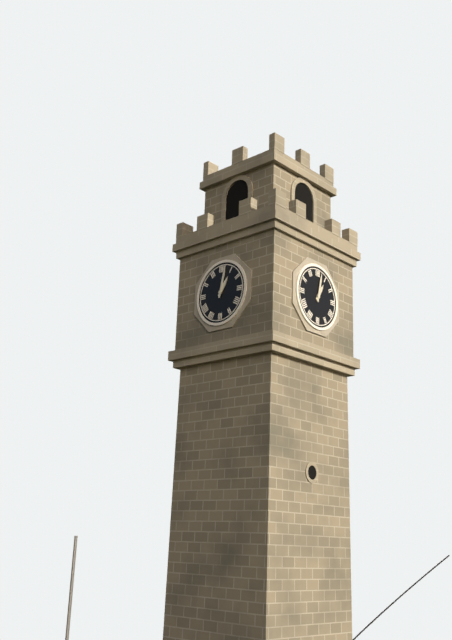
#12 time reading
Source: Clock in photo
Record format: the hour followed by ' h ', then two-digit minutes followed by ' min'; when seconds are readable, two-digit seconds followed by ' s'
1 h 02 min
